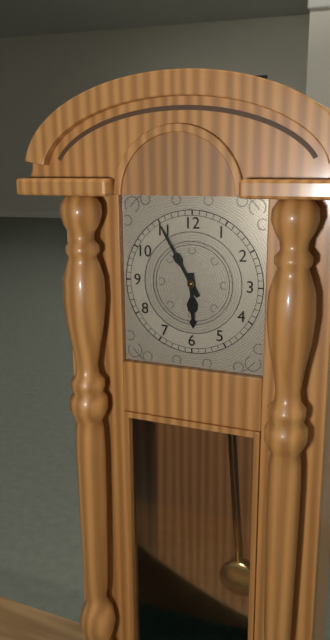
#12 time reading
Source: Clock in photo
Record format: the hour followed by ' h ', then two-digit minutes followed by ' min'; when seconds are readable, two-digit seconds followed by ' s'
5 h 55 min
